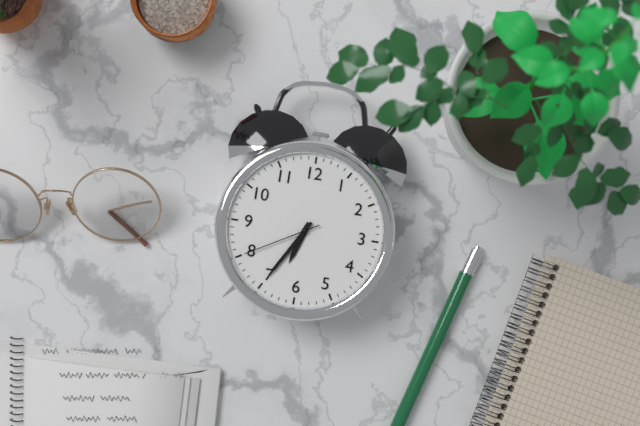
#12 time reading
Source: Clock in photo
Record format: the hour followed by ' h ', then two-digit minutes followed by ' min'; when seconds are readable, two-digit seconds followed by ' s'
6 h 35 min 40 s
